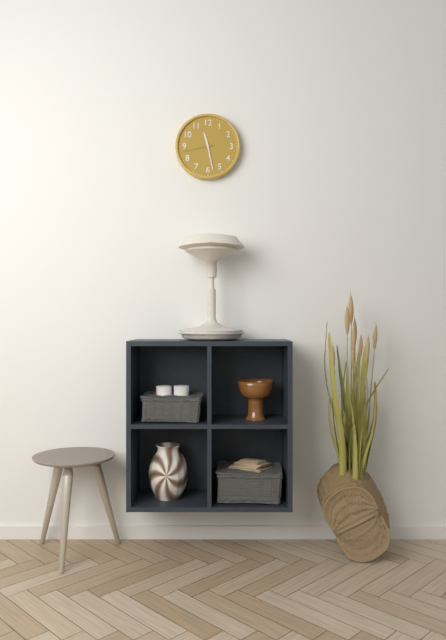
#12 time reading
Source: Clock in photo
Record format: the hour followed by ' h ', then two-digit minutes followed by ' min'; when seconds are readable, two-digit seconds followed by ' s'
11 h 28 min
